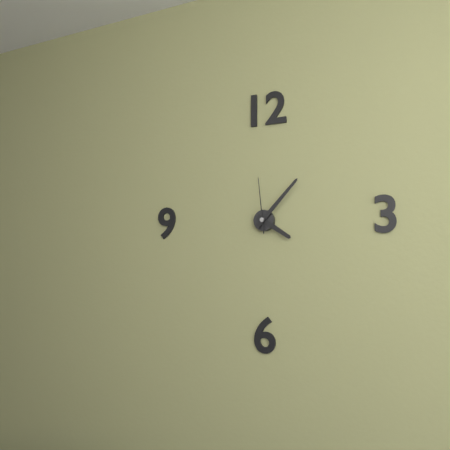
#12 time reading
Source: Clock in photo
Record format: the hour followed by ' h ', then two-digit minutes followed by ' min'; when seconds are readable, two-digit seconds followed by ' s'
4 h 07 min 59 s
